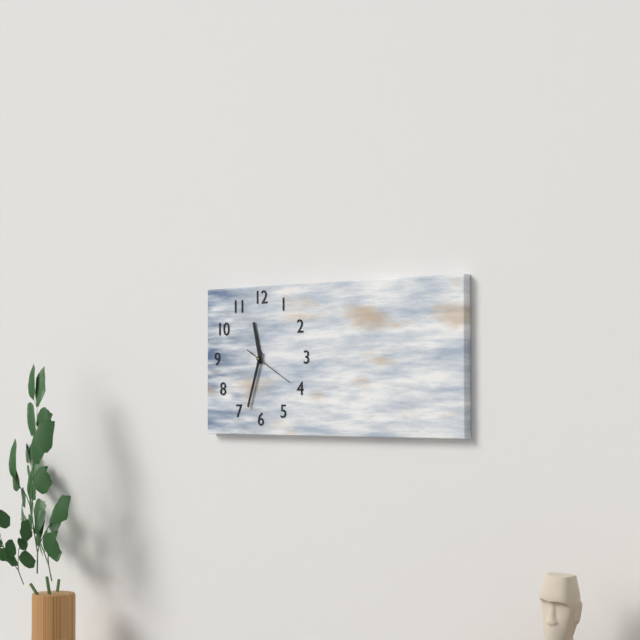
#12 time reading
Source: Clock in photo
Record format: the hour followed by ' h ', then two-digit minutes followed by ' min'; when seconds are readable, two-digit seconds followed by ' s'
11 h 33 min
